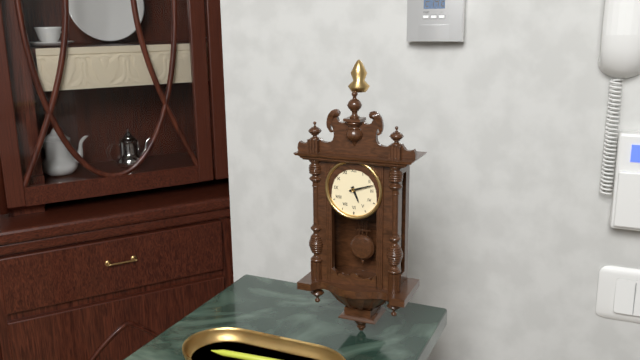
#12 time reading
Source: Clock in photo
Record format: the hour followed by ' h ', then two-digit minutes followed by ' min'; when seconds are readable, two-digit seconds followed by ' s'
5 h 12 min
